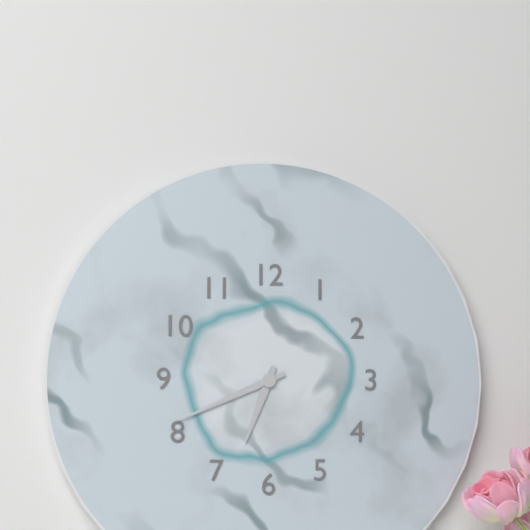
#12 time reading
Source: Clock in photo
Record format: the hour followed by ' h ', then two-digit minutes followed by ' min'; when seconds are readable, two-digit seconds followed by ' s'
6 h 41 min
